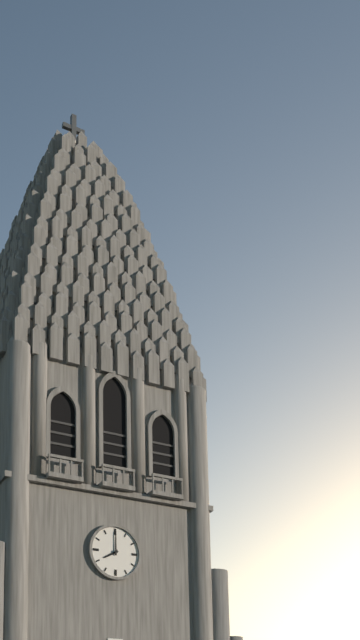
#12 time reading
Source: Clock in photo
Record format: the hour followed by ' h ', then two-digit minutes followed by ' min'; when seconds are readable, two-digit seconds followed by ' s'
8 h 00 min
